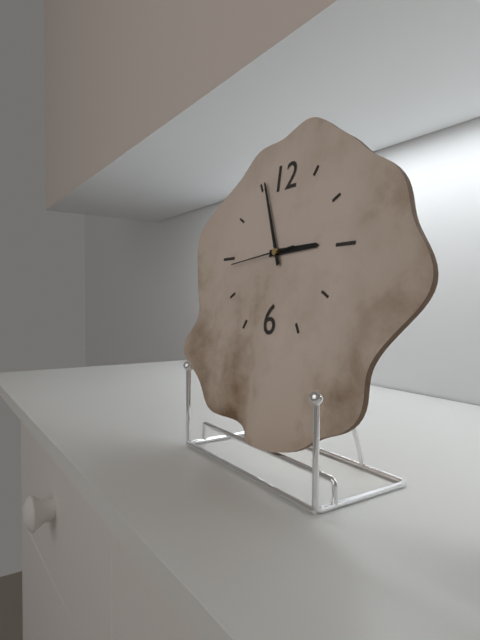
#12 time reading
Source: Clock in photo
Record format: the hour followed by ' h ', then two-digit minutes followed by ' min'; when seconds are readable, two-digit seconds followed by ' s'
2 h 56 min 44 s
